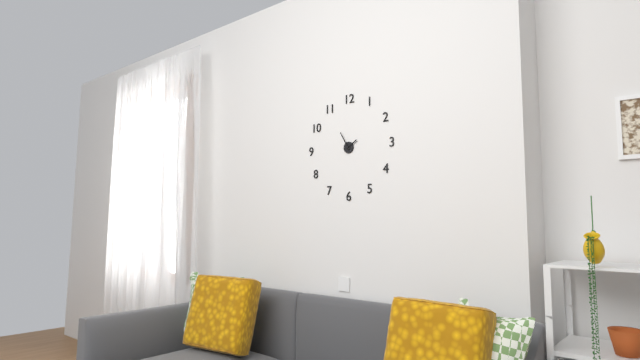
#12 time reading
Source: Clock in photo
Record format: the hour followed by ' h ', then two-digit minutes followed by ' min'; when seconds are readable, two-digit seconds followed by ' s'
1 h 55 min
